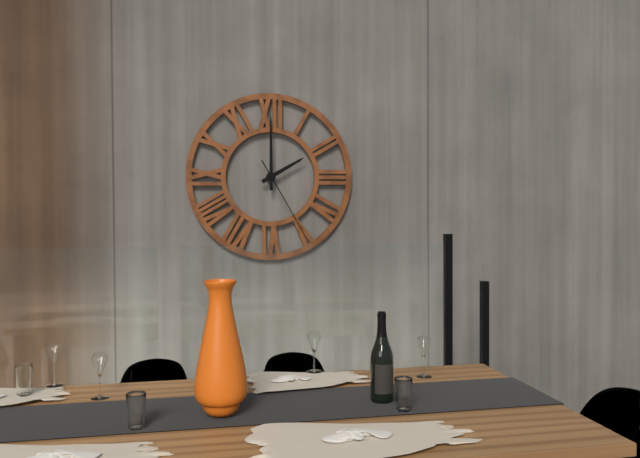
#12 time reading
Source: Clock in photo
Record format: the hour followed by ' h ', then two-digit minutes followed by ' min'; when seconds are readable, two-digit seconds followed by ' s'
2 h 00 min 25 s
